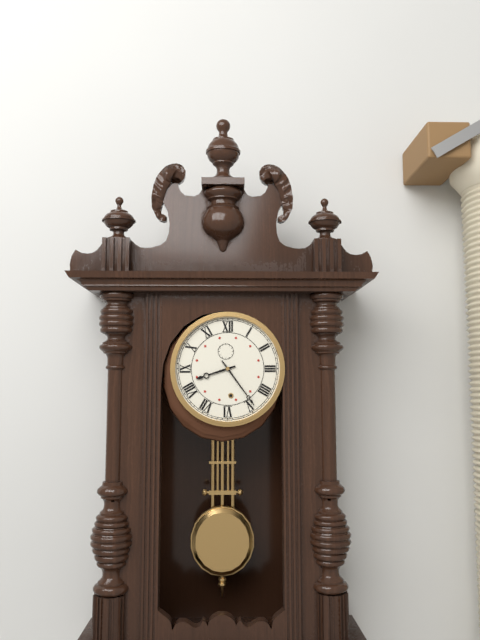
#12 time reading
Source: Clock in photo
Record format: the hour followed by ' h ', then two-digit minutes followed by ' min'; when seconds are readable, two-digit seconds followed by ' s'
8 h 24 min
